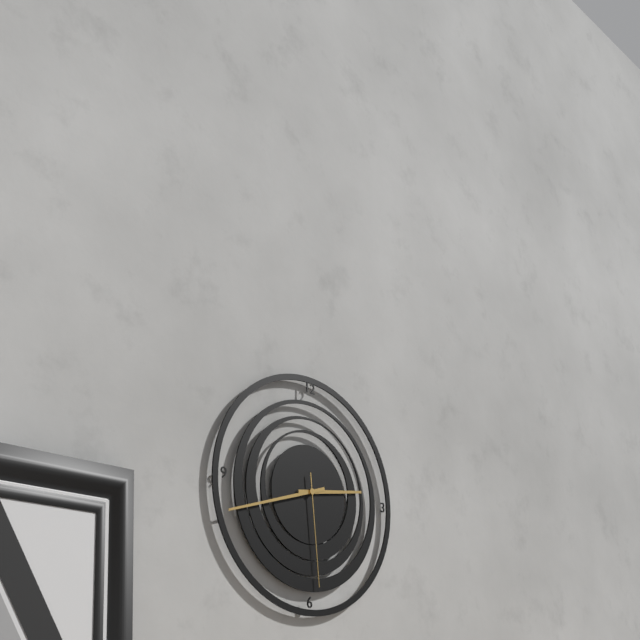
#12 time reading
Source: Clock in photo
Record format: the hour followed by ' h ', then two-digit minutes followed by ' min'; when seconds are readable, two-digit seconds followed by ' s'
2 h 42 min 29 s
